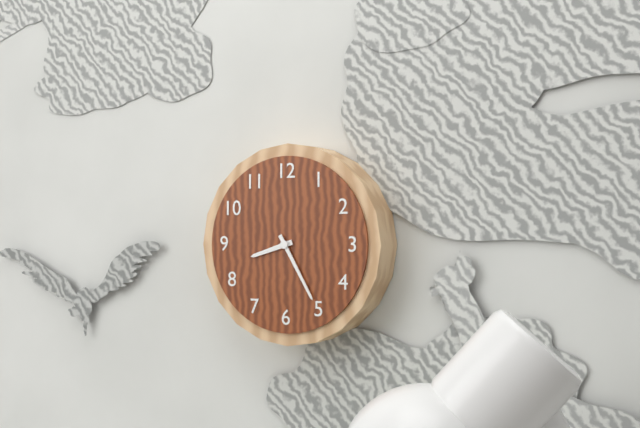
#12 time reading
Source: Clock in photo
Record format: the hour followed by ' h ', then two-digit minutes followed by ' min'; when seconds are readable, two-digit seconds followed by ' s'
8 h 25 min
